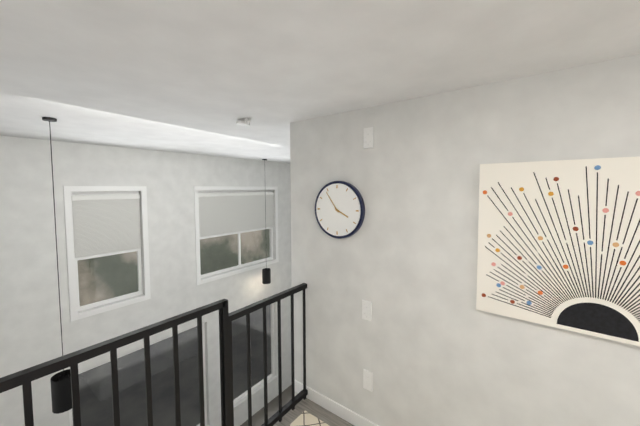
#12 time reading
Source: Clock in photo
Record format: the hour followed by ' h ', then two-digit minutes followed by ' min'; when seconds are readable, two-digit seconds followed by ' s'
3 h 54 min
